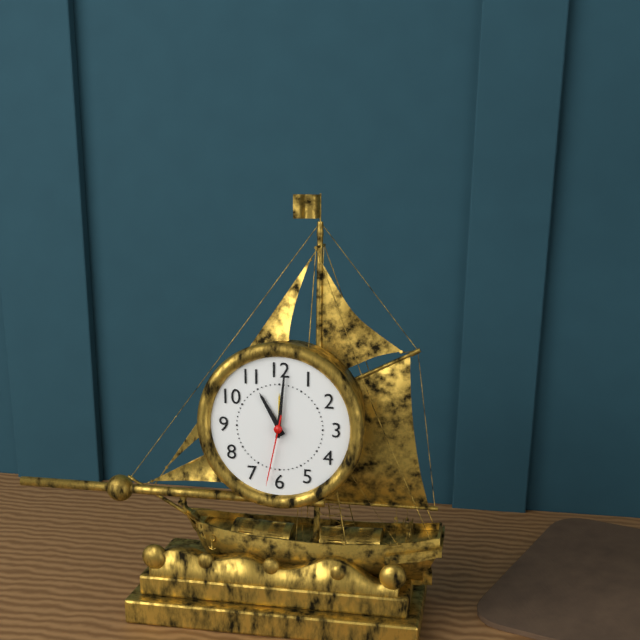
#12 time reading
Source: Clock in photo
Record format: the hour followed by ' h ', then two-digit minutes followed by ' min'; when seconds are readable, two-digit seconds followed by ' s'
11 h 01 min 32 s
